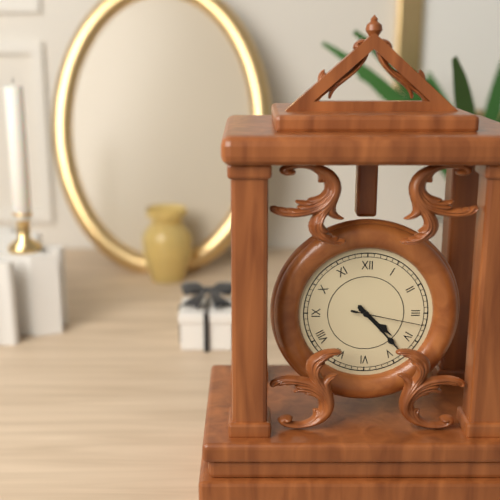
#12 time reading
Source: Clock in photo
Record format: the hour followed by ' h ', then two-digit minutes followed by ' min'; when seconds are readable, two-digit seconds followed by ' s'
4 h 23 min 17 s
